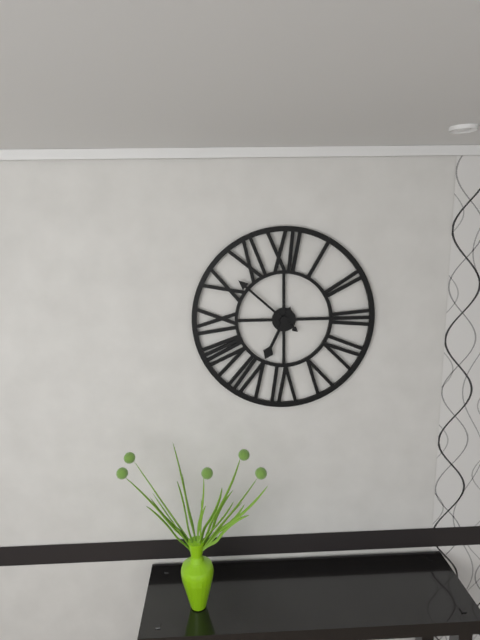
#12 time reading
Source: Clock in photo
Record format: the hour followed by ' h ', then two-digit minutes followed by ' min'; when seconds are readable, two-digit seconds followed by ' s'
6 h 52 min
